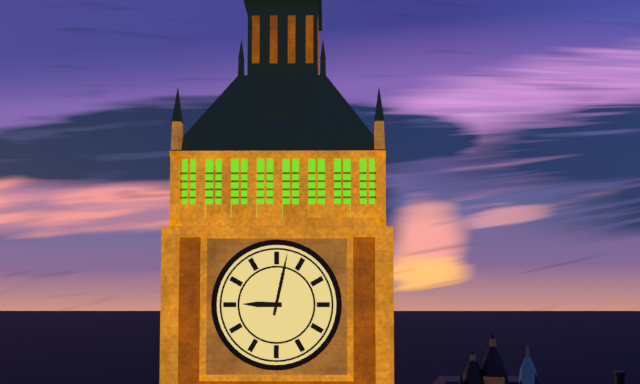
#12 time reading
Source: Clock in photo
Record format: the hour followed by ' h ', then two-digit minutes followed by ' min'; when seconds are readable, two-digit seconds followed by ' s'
9 h 02 min
